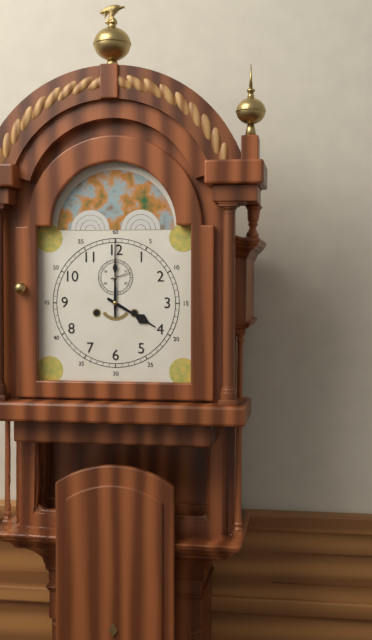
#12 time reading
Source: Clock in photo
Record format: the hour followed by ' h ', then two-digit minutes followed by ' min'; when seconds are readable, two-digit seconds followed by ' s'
4 h 00 min
